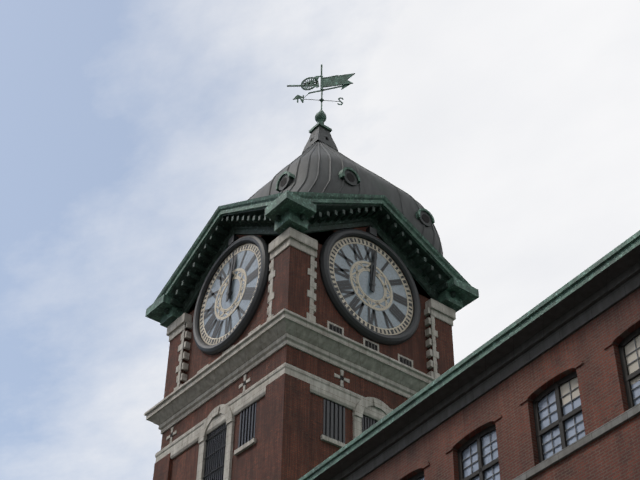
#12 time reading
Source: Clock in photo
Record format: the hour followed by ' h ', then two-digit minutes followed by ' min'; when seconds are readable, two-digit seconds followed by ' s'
12 h 01 min
